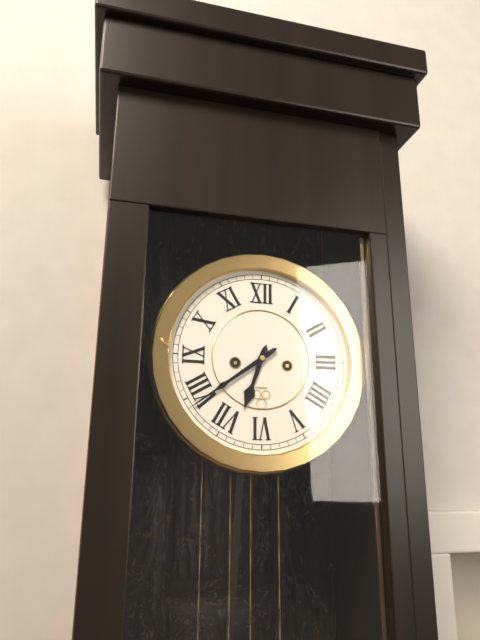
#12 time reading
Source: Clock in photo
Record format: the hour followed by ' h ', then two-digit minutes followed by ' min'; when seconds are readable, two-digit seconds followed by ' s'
6 h 39 min
